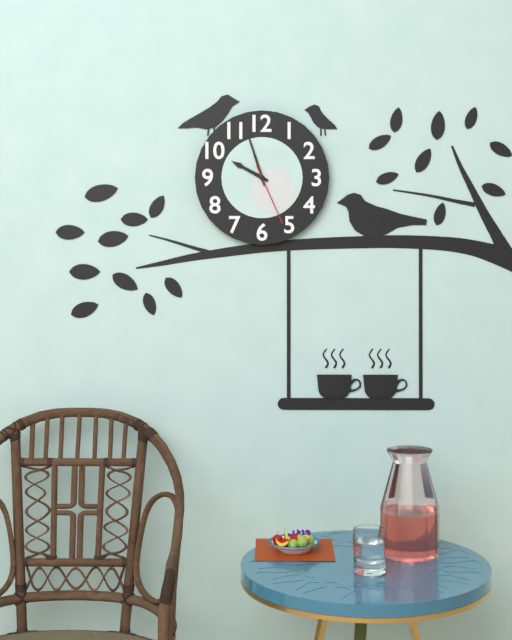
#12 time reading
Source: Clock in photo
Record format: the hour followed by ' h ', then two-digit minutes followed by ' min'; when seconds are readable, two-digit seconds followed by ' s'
9 h 57 min 26 s
